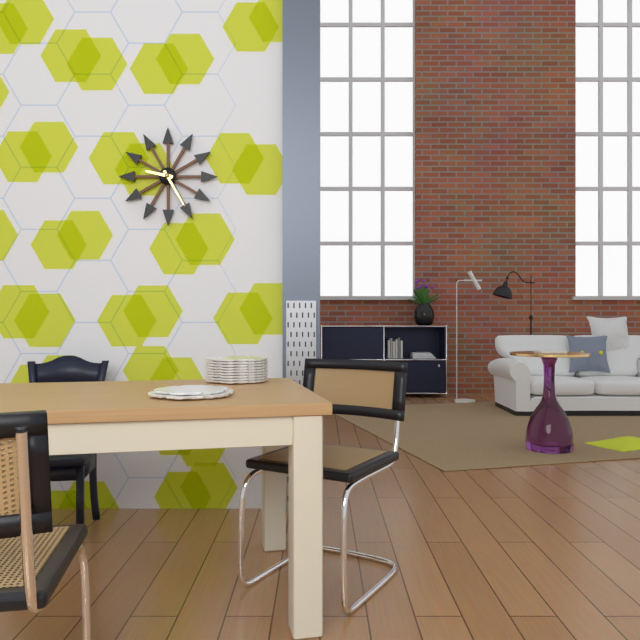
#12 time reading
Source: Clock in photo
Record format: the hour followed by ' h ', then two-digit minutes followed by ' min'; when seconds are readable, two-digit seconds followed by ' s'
9 h 25 min
